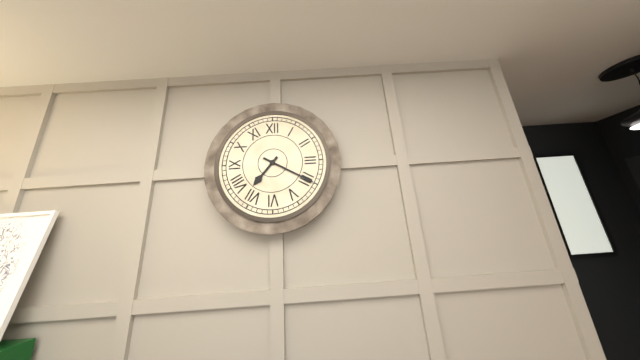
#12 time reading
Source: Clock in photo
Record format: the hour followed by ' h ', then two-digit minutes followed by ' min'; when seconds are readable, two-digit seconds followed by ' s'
7 h 20 min
